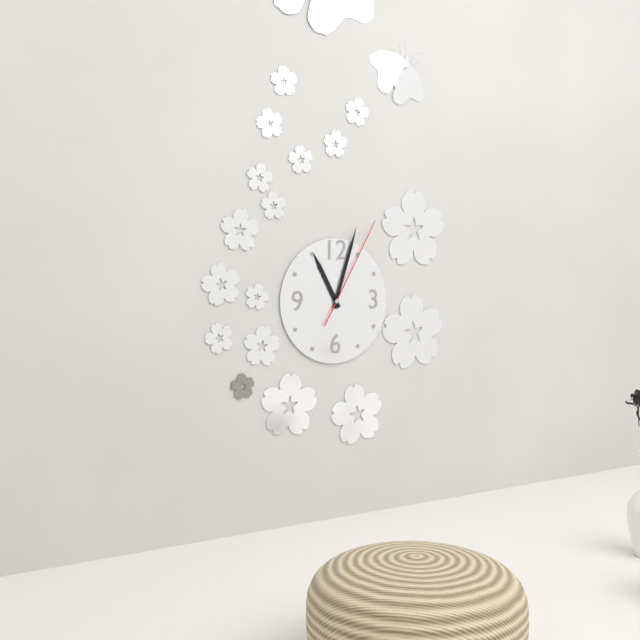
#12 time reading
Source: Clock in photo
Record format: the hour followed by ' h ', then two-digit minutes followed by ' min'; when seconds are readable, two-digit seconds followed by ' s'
11 h 03 min 05 s
